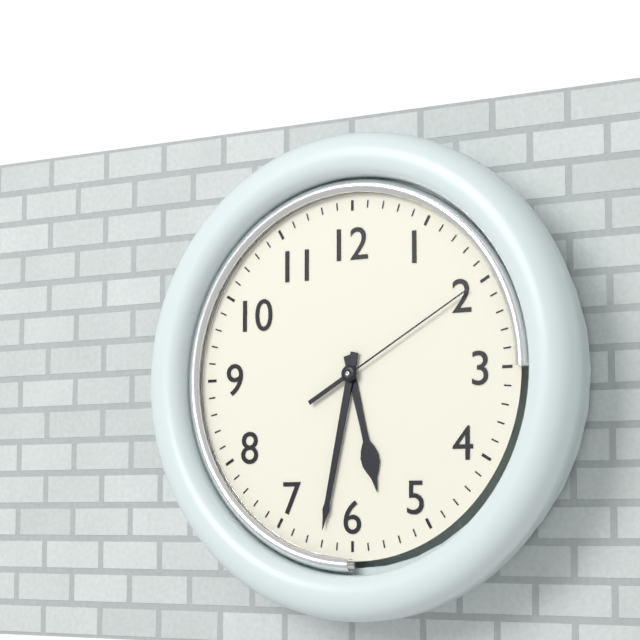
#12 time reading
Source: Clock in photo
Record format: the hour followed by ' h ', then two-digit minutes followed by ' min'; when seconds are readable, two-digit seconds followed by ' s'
5 h 32 min 10 s
